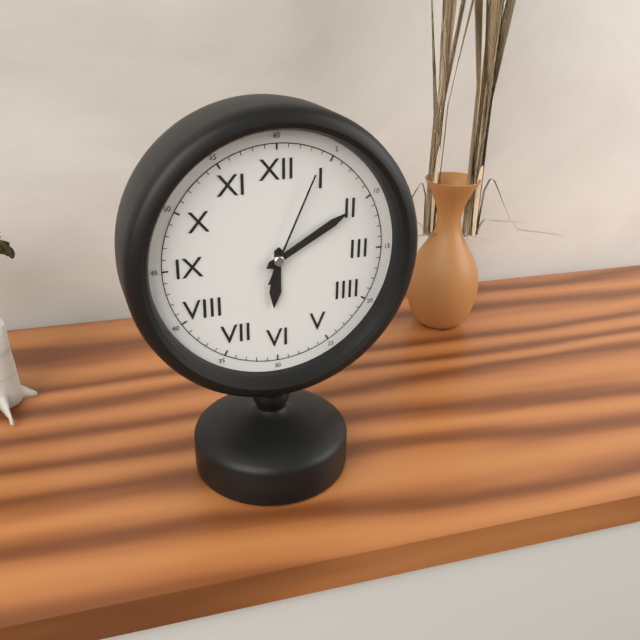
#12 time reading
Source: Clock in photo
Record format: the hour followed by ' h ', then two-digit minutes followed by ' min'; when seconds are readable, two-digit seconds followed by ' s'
6 h 10 min 04 s
